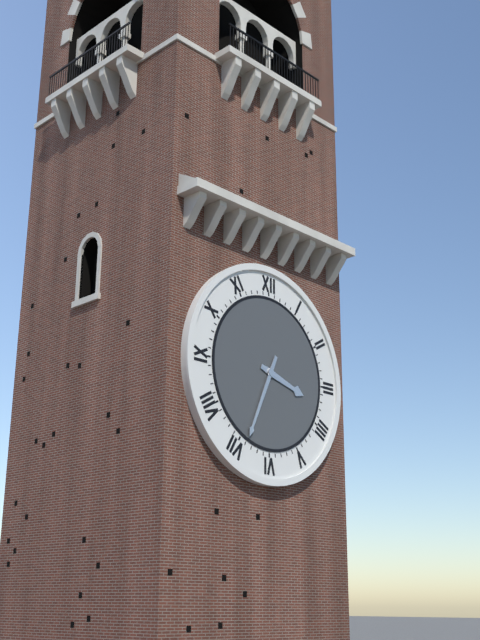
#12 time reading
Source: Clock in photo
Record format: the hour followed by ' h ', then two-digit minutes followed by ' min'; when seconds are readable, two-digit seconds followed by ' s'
3 h 34 min
